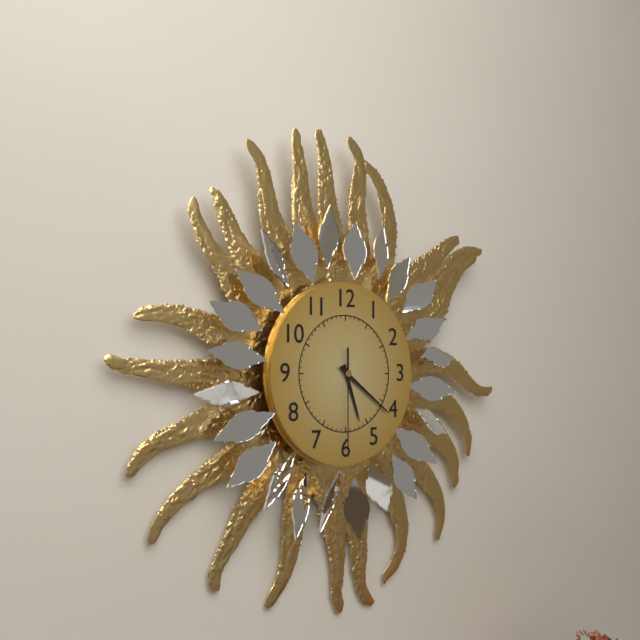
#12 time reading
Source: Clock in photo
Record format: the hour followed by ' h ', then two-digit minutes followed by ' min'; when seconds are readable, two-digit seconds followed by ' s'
5 h 21 min 30 s
